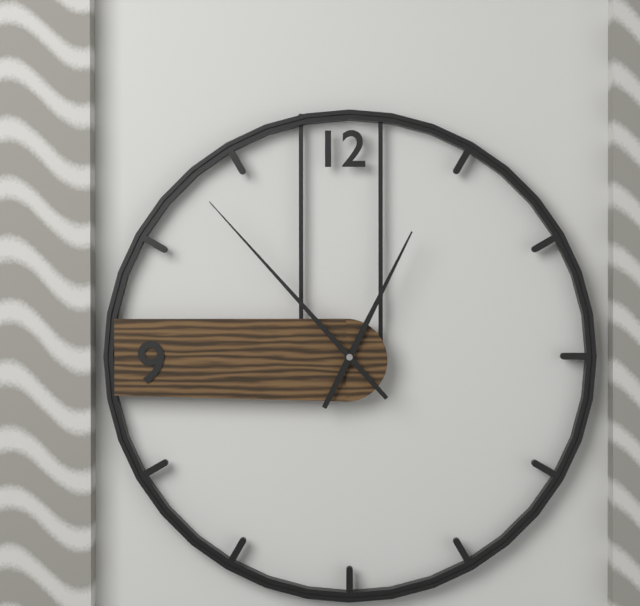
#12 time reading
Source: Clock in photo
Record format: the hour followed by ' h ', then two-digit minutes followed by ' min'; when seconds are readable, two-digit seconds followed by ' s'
12 h 53 min
